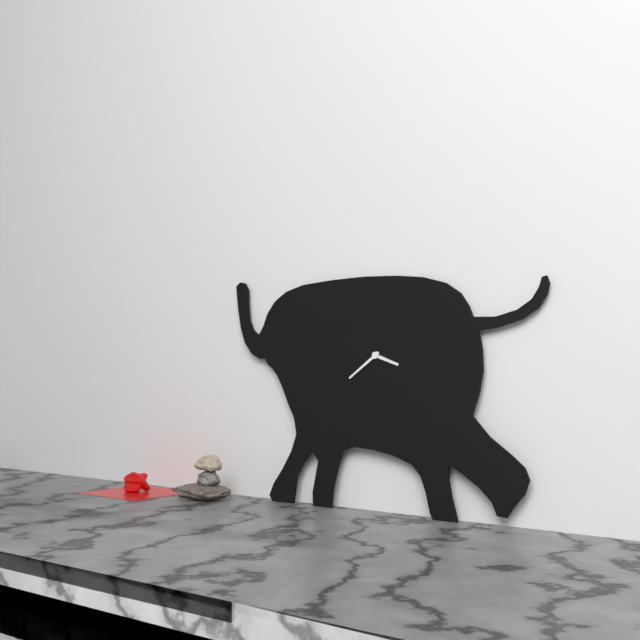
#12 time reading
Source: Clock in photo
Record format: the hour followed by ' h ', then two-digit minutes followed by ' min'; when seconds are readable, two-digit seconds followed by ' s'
3 h 39 min
